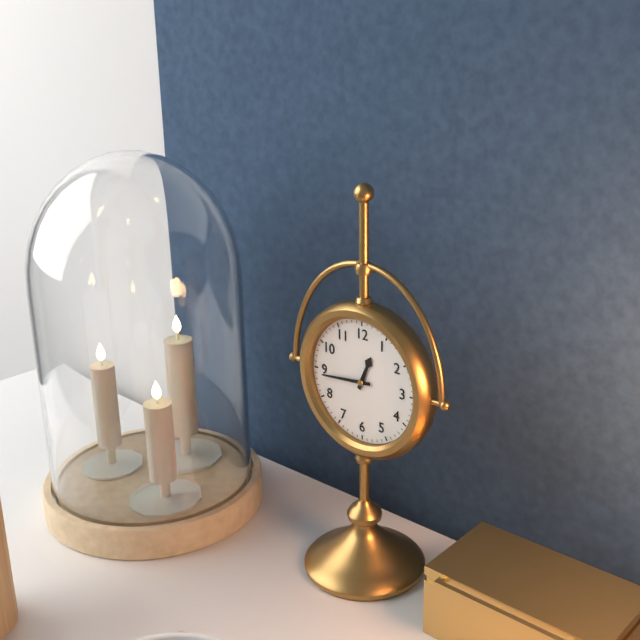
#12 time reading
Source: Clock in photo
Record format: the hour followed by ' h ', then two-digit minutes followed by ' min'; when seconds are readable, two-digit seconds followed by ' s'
12 h 44 min
